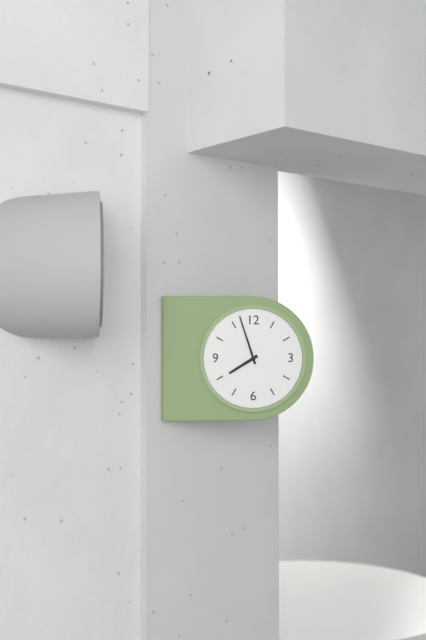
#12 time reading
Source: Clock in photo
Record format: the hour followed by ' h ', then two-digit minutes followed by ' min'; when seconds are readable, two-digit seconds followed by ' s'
7 h 57 min
